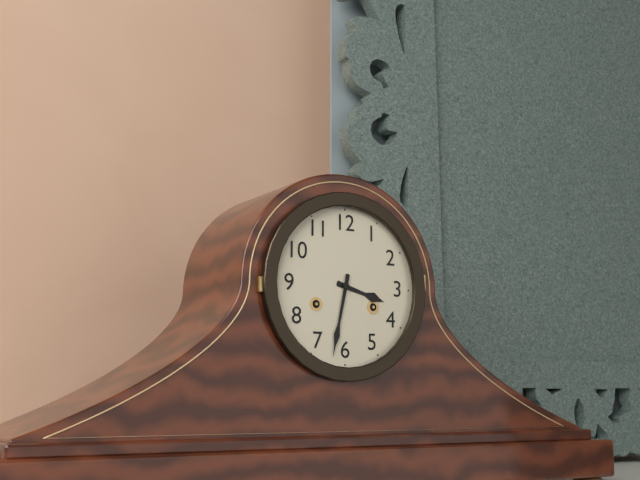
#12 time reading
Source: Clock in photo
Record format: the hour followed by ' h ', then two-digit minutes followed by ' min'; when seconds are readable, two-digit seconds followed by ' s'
3 h 32 min
